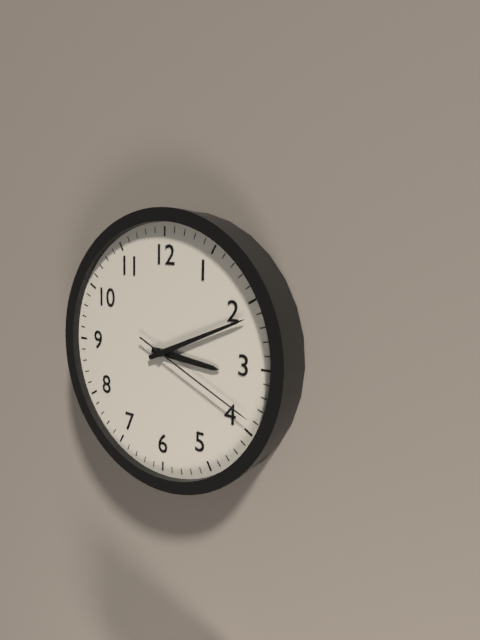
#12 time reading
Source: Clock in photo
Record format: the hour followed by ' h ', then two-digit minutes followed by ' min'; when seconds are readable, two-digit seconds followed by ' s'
3 h 11 min 19 s
